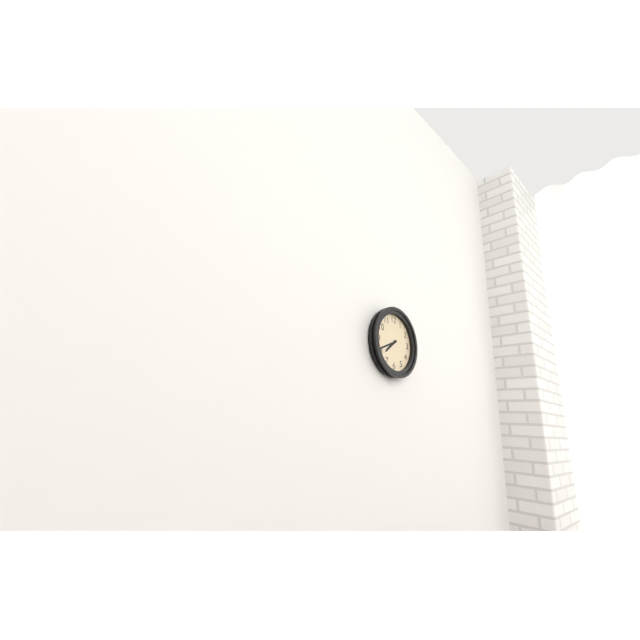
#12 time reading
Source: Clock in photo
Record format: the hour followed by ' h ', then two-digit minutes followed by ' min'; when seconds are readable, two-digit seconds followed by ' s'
7 h 41 min
